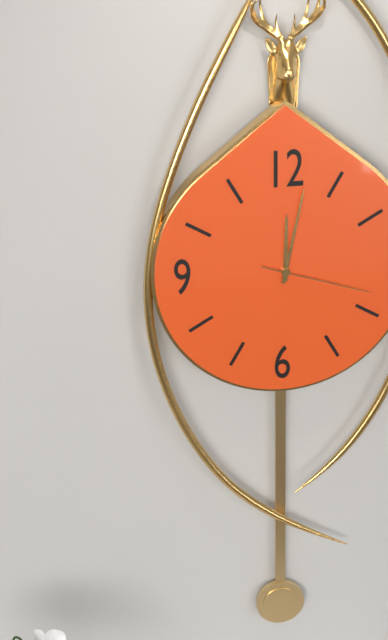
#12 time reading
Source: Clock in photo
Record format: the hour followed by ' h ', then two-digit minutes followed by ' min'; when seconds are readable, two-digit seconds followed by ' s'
12 h 02 min 18 s
